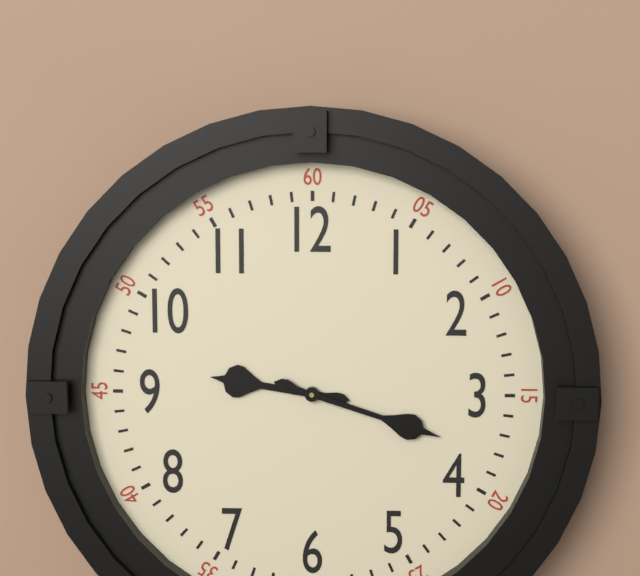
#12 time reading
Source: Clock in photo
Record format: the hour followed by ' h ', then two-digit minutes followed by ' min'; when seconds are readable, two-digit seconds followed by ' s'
9 h 18 min
